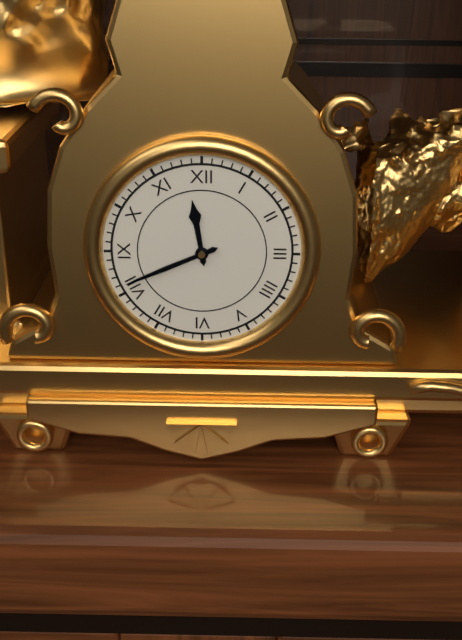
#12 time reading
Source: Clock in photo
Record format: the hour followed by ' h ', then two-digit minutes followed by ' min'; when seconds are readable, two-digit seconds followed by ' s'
11 h 41 min
